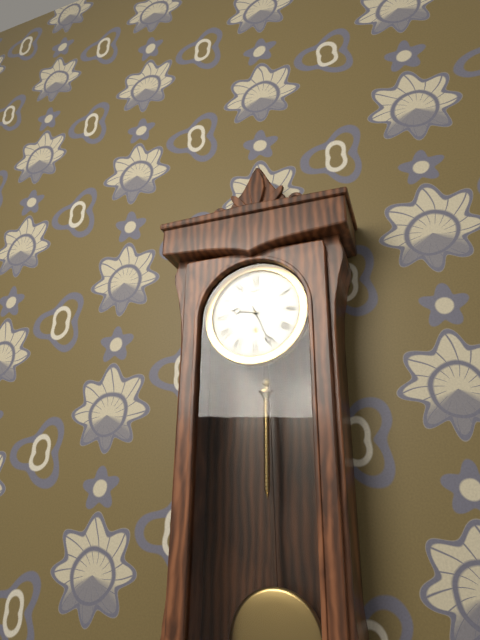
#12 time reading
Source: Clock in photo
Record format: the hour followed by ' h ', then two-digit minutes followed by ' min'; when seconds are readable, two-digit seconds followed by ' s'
9 h 26 min
